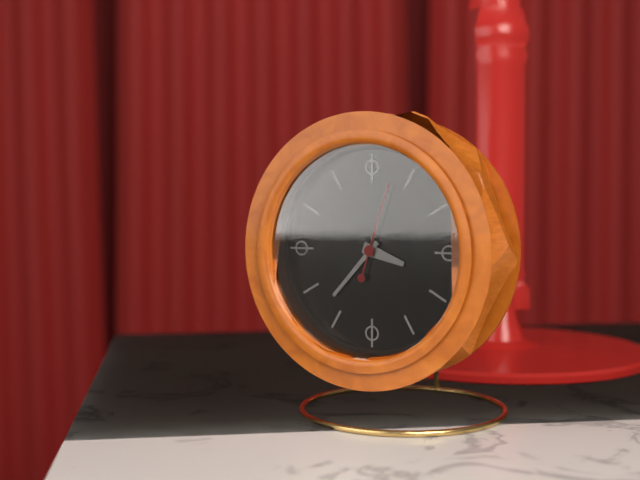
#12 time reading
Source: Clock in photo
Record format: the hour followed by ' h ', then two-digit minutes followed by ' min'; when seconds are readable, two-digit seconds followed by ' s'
3 h 37 min 03 s
